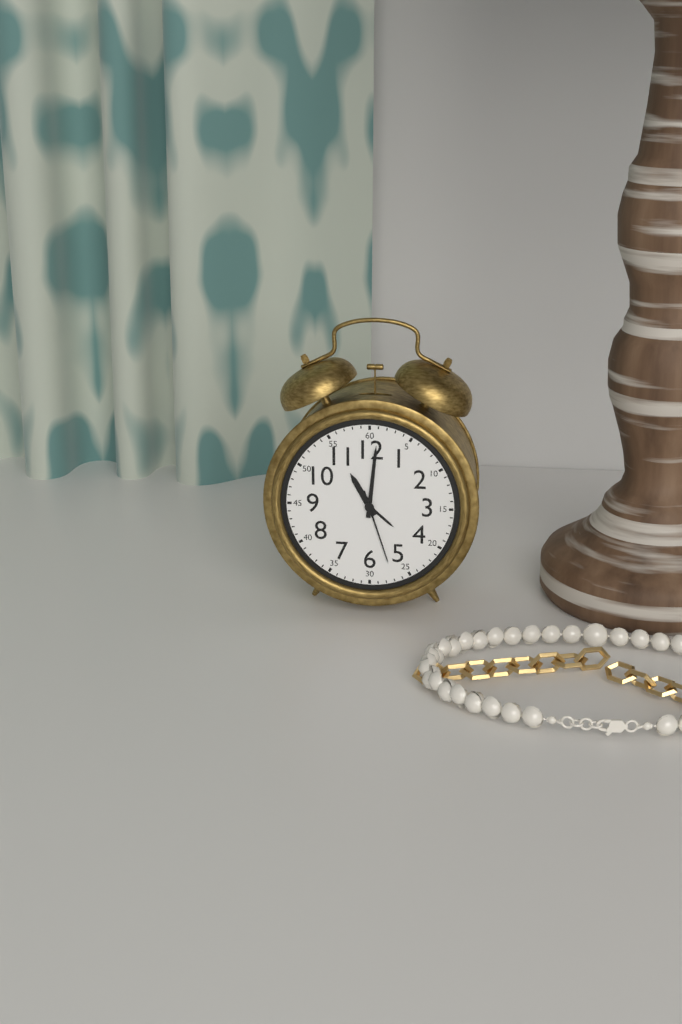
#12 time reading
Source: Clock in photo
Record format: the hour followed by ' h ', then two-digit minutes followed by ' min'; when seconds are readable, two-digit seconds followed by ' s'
11 h 01 min 27 s
